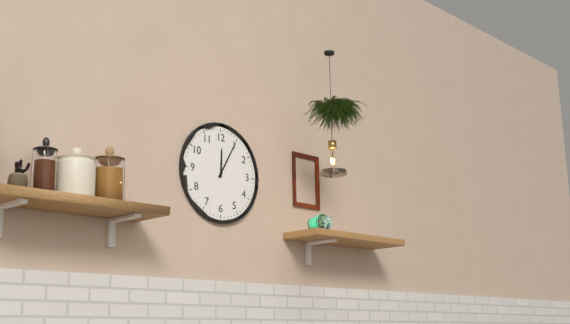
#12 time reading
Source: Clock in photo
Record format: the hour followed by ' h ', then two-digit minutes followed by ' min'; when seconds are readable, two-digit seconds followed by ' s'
12 h 05 min
